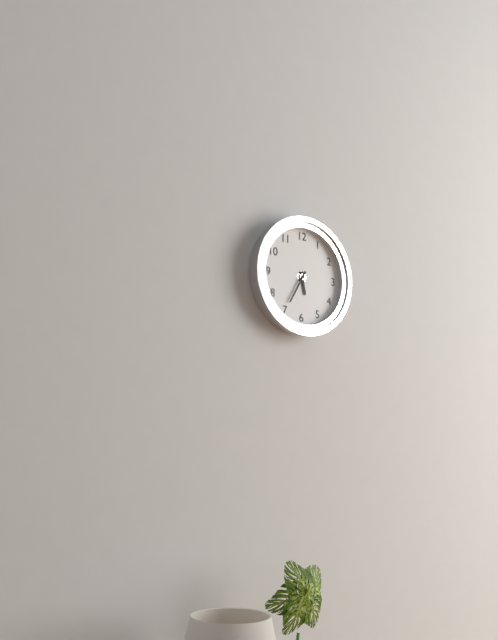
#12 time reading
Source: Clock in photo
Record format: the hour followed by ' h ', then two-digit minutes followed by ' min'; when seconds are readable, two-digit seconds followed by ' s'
5 h 35 min
